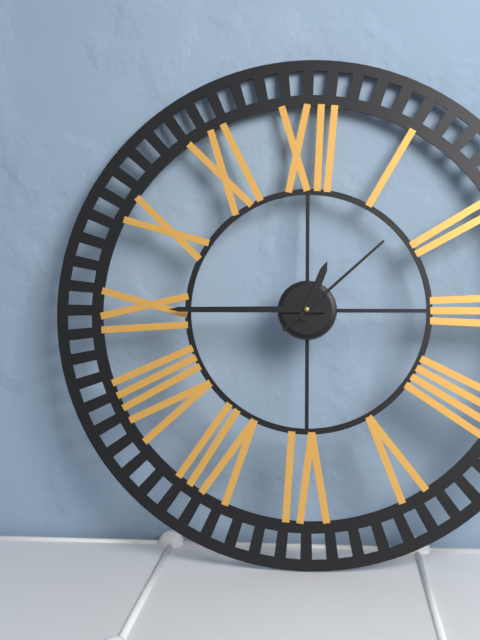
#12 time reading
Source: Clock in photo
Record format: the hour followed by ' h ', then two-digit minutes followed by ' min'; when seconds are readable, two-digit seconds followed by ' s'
12 h 45 min 08 s
